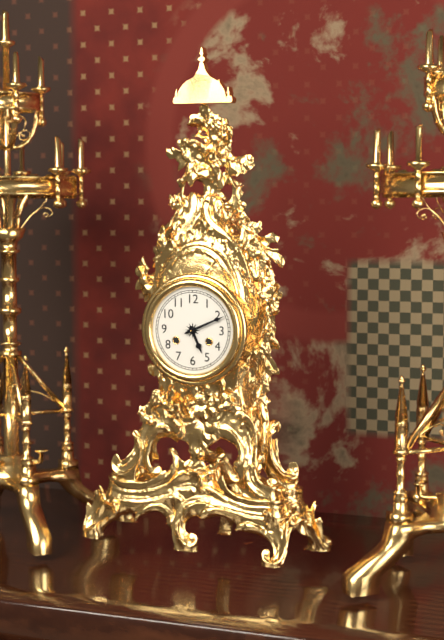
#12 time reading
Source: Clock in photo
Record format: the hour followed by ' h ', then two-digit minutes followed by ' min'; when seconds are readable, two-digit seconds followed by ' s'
5 h 11 min
